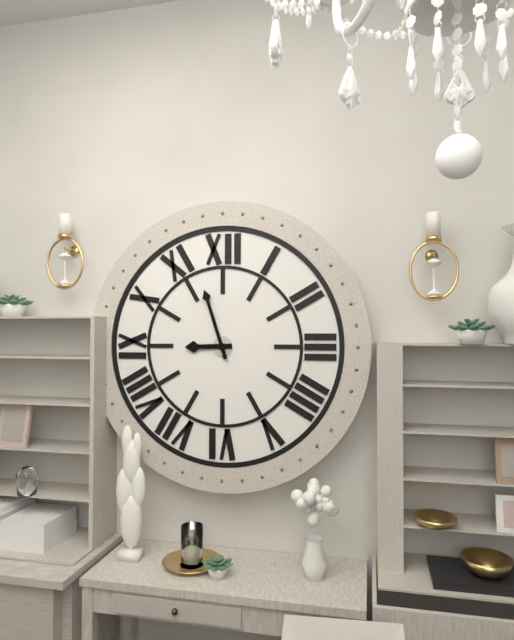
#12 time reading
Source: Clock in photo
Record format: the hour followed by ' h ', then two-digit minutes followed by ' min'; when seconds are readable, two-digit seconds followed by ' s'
8 h 57 min
